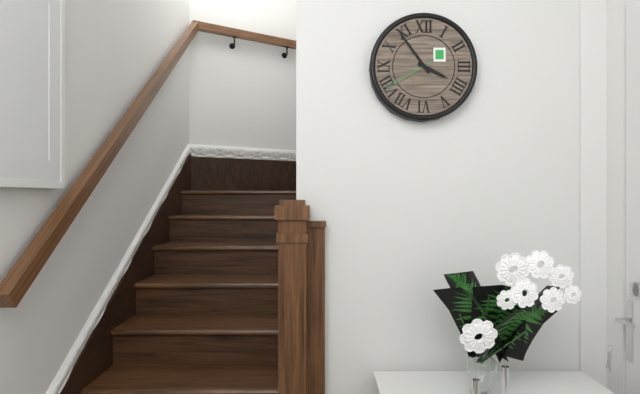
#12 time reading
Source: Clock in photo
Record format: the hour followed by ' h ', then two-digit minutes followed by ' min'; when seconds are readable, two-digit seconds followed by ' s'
3 h 54 min
